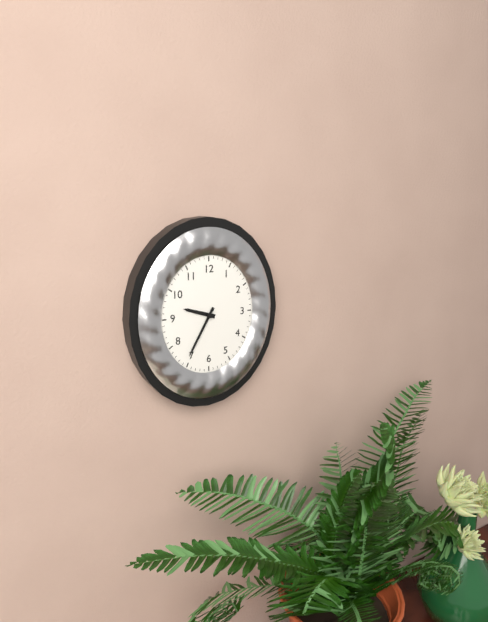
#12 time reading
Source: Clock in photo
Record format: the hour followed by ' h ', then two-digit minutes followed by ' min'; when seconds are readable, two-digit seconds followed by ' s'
9 h 35 min
